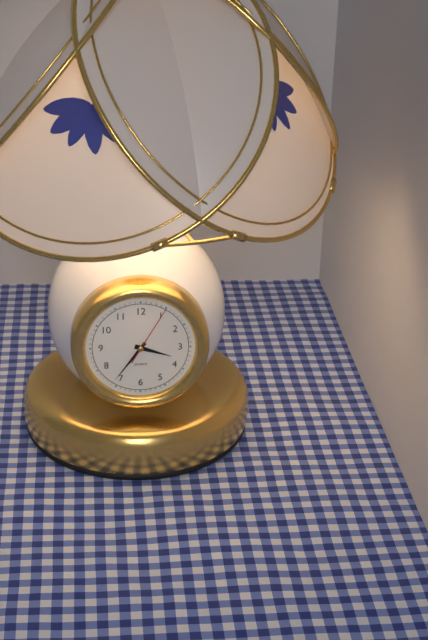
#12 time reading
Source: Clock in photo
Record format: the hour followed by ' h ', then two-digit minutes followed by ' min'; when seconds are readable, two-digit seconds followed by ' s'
3 h 36 min 05 s
